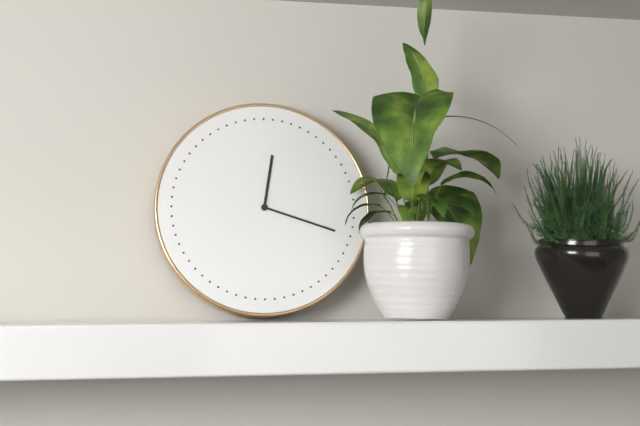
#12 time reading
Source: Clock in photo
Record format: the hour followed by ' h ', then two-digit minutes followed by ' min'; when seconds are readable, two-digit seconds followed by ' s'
12 h 18 min
